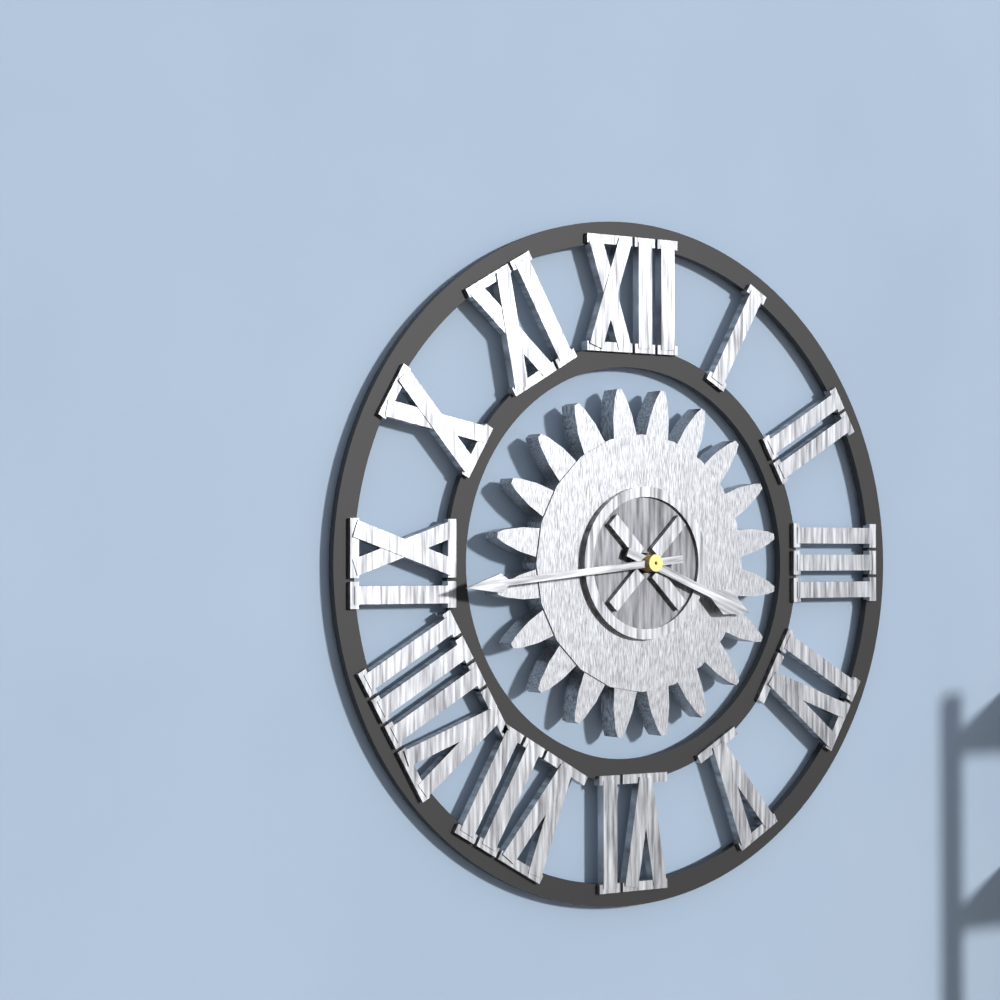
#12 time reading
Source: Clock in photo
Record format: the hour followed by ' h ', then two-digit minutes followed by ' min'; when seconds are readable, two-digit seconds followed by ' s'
3 h 44 min
